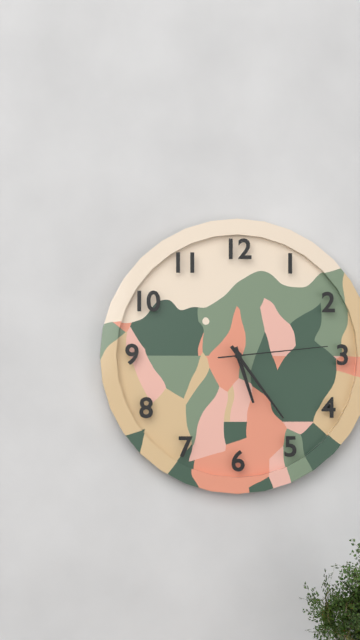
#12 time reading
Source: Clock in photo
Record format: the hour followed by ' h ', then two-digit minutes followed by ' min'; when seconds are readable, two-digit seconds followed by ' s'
5 h 24 min 14 s
